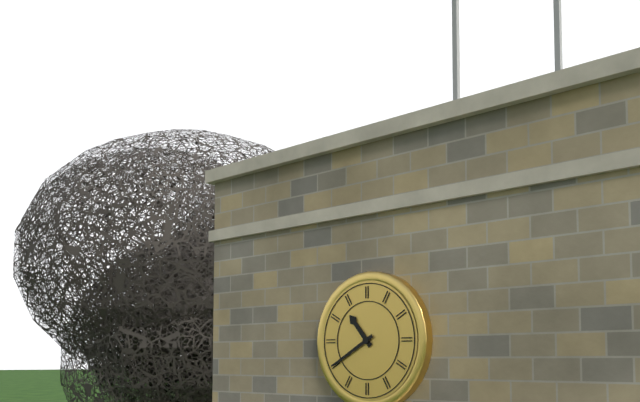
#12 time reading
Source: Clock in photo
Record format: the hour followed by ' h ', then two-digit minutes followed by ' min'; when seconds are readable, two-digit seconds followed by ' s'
10 h 40 min
